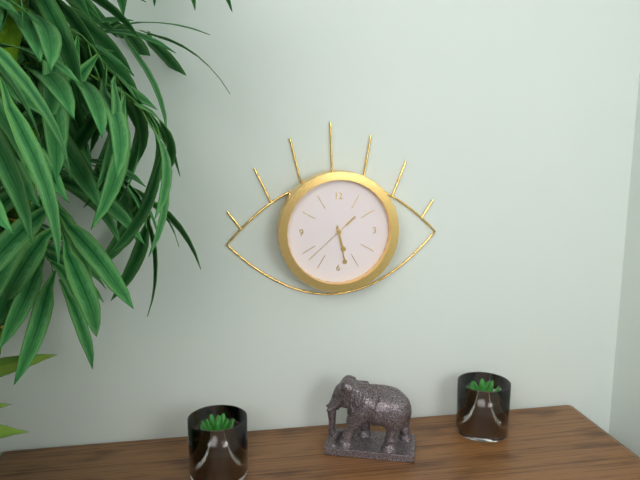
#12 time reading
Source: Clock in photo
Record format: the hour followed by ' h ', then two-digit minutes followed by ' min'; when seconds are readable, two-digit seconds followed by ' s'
5 h 28 min 38 s
